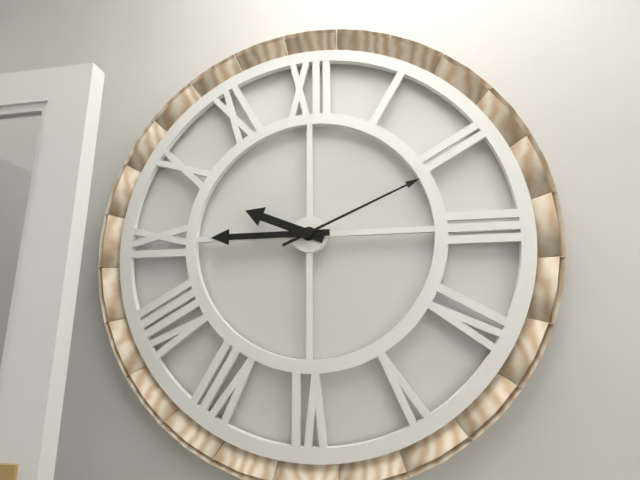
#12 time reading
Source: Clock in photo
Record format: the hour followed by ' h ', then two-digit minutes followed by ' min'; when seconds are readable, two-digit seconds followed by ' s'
9 h 45 min 11 s
